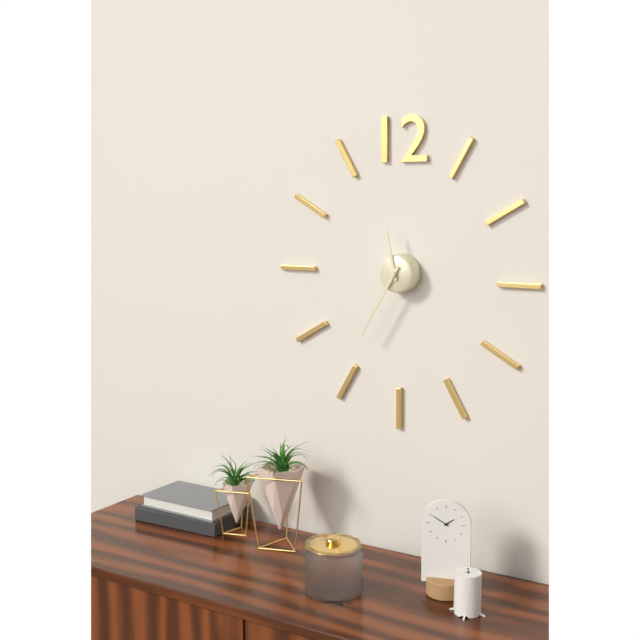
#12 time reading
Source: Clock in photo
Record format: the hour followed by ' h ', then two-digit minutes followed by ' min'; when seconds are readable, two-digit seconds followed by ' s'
11 h 35 min
